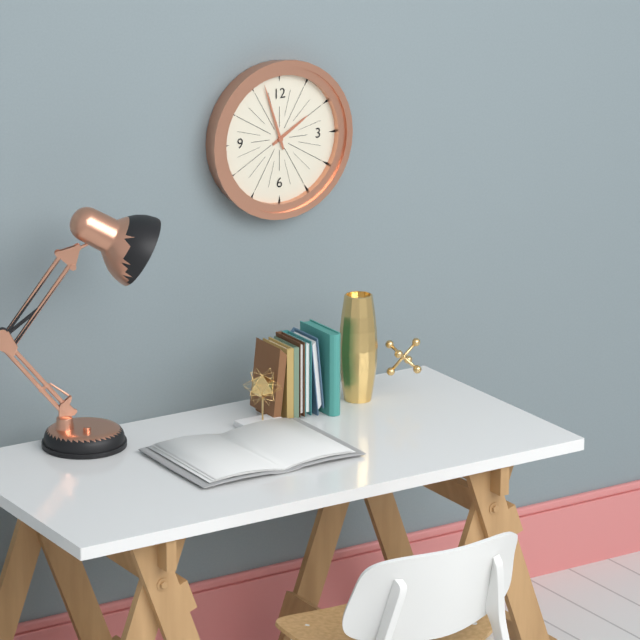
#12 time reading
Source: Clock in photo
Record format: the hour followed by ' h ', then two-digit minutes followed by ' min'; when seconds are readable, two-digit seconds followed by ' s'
1 h 57 min
